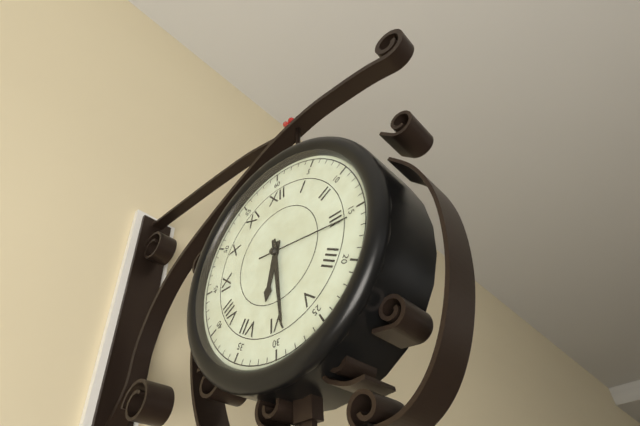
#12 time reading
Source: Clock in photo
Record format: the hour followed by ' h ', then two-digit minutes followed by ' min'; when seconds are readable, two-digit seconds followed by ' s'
6 h 29 min 16 s
